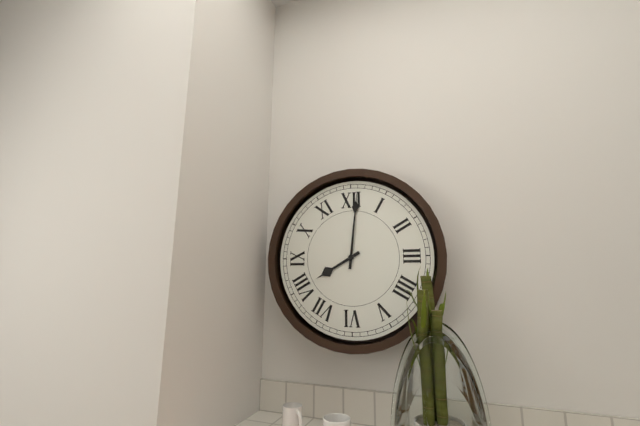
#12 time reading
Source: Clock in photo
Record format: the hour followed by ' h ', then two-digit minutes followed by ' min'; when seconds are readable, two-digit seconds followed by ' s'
8 h 01 min
